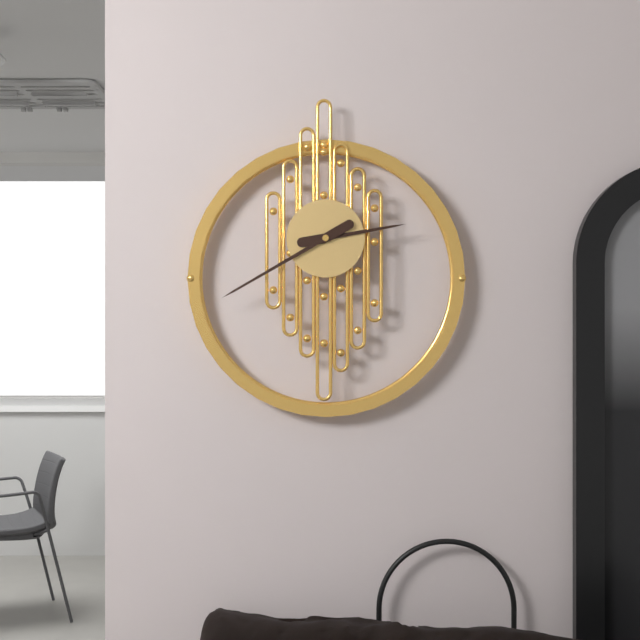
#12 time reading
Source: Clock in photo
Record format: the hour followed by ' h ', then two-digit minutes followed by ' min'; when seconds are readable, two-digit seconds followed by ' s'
2 h 40 min
